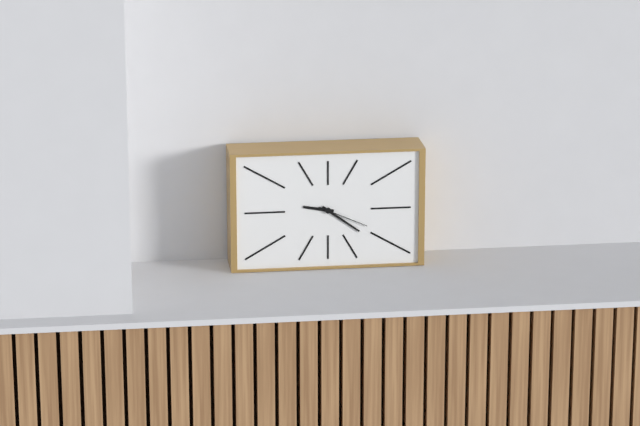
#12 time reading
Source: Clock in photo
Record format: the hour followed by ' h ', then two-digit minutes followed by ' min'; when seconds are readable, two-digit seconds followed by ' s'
9 h 21 min 19 s
